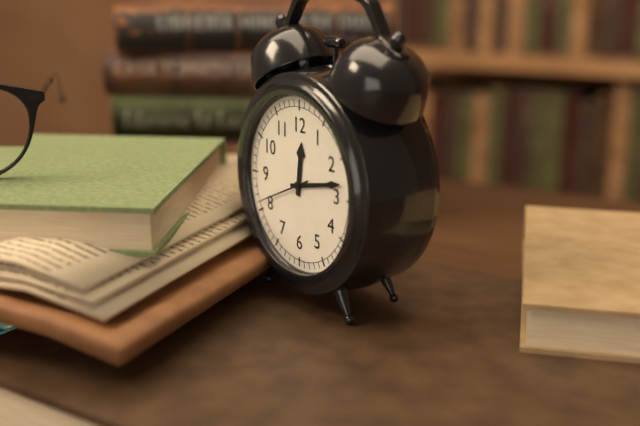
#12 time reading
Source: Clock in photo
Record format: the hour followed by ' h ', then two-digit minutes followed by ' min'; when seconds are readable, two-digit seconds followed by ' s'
12 h 13 min 41 s
